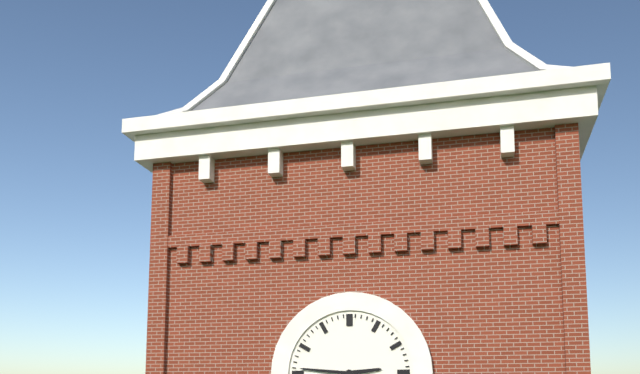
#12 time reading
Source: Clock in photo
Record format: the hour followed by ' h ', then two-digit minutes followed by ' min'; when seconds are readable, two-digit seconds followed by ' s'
2 h 46 min
